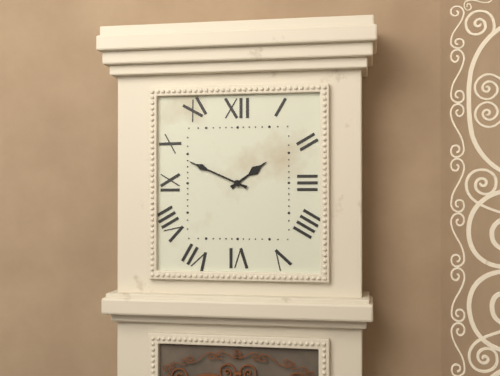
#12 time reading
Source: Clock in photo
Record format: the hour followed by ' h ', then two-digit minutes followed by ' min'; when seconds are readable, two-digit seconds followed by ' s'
1 h 49 min
